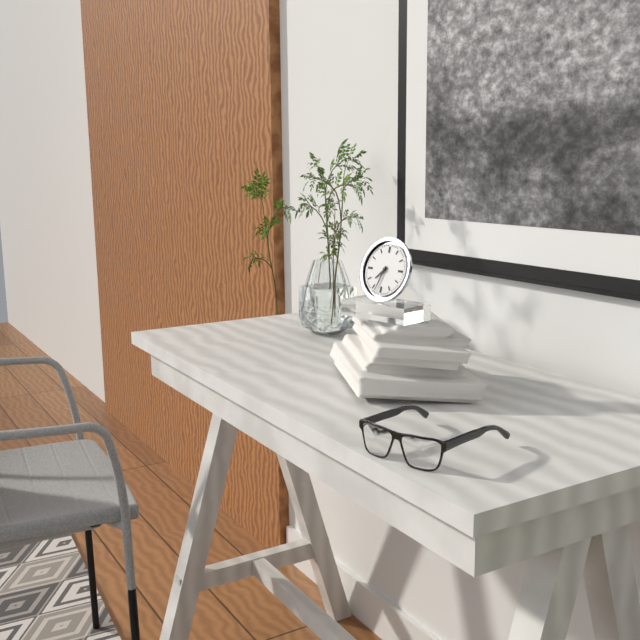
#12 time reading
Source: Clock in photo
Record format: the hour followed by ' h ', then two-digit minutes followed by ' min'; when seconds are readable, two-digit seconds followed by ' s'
7 h 33 min
